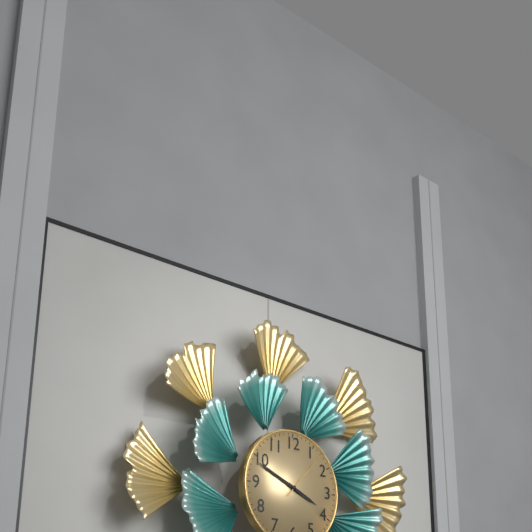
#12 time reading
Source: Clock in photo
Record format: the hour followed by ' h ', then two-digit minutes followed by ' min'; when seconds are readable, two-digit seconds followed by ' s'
3 h 49 min 07 s
